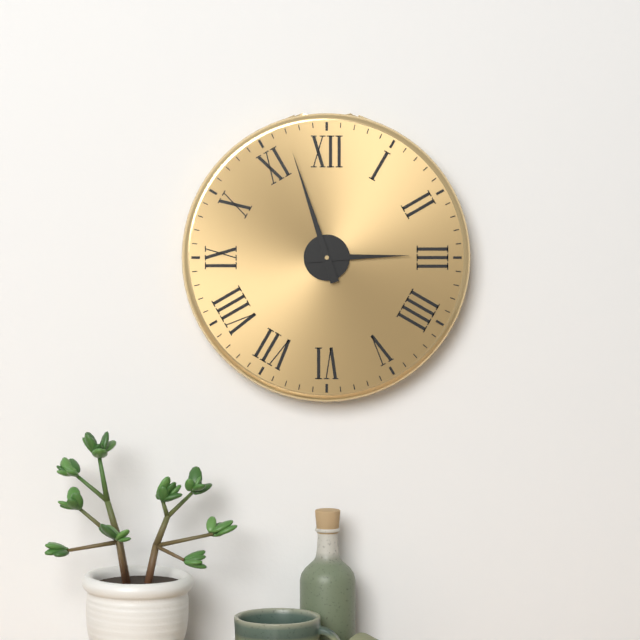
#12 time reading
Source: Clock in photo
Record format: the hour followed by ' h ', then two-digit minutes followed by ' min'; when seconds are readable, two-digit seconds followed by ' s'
2 h 57 min
